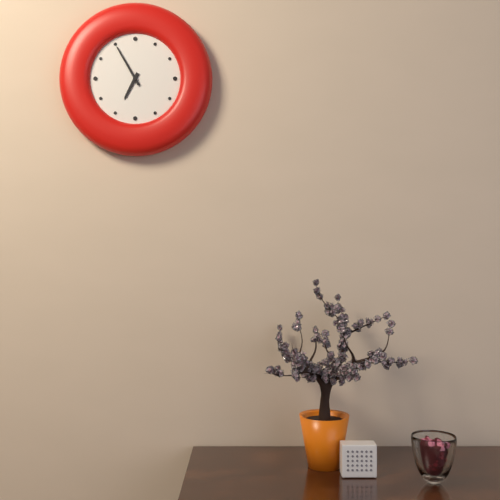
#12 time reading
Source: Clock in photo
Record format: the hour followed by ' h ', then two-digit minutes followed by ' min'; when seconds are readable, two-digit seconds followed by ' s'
6 h 55 min
